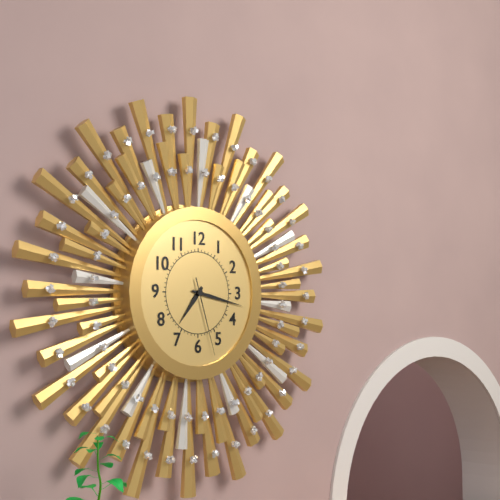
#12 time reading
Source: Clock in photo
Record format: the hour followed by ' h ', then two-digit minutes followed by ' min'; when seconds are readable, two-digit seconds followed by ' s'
7 h 17 min 27 s
